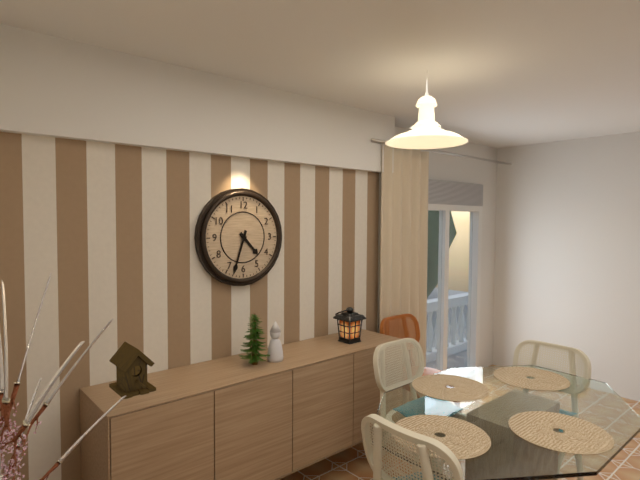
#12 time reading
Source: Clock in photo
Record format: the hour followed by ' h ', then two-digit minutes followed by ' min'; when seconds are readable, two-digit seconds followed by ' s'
4 h 33 min
